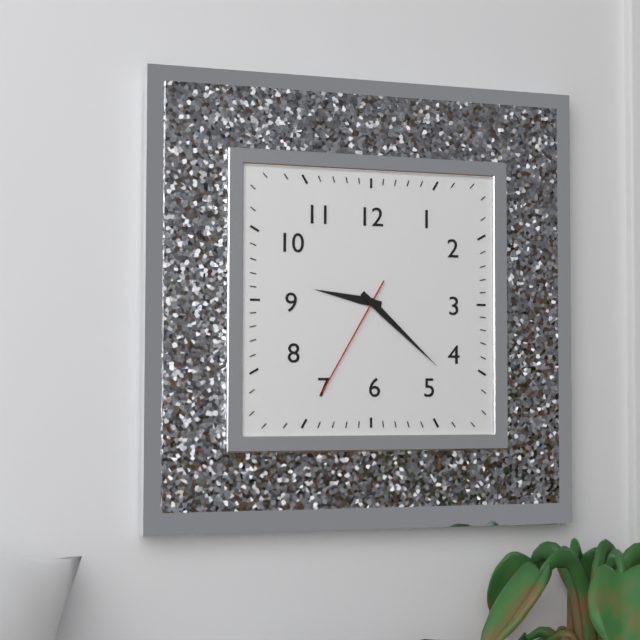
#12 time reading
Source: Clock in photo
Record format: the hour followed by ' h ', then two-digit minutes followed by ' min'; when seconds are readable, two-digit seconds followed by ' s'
9 h 22 min 35 s
